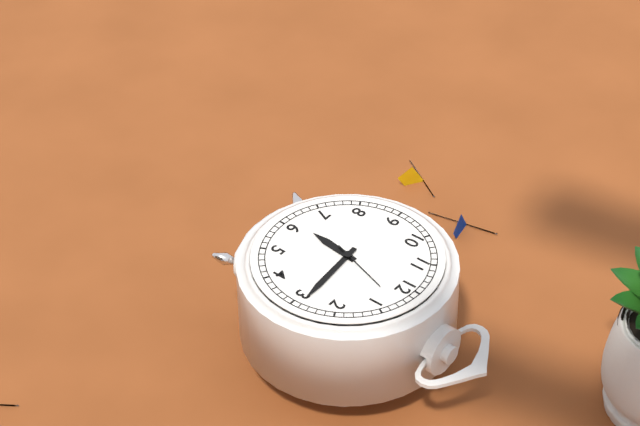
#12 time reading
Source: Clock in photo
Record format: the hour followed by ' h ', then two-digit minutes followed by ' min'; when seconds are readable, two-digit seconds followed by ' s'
6 h 14 min 03 s
